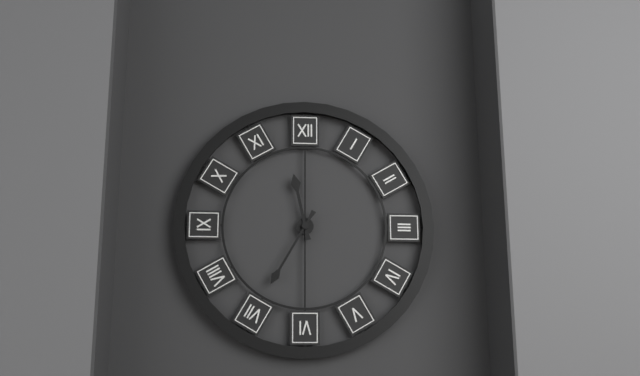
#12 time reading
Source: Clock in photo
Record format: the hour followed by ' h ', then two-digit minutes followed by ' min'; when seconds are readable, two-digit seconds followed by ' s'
11 h 35 min
